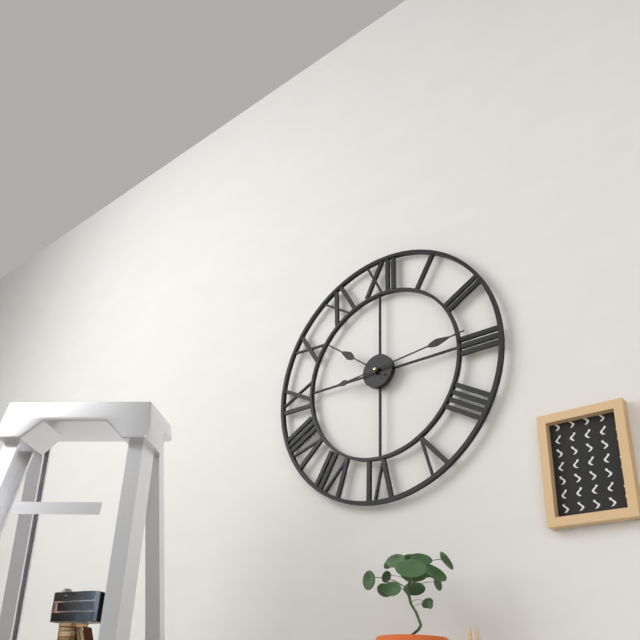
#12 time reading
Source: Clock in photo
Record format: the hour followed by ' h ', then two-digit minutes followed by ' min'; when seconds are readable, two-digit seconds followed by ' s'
10 h 14 min
